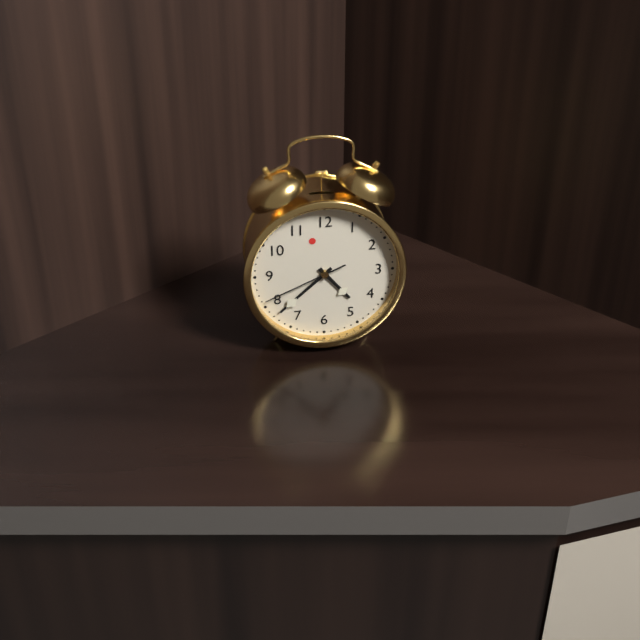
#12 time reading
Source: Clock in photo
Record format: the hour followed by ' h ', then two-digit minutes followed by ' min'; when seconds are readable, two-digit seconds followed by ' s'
4 h 38 min 41 s
